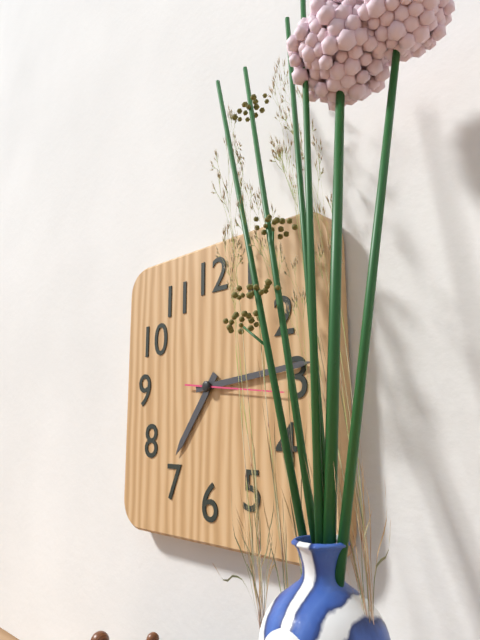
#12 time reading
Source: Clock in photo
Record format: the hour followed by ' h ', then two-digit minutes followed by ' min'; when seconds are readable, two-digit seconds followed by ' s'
7 h 14 min 16 s
